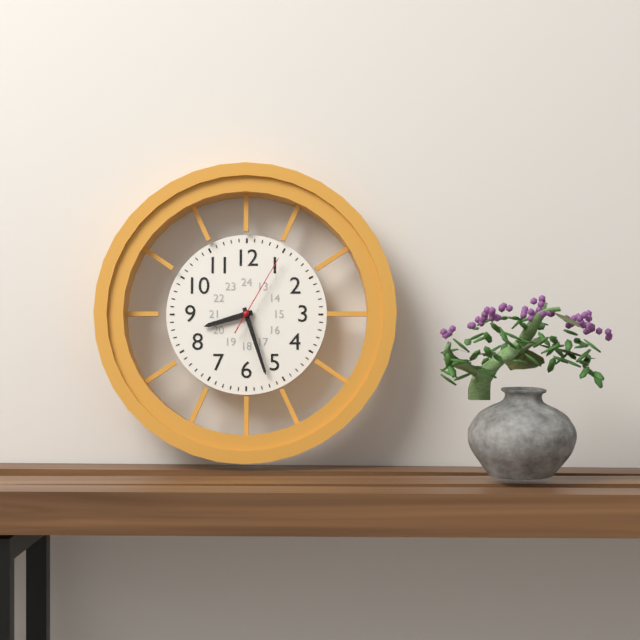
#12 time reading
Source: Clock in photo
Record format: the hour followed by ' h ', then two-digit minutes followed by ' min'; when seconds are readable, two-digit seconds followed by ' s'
8 h 27 min 05 s
